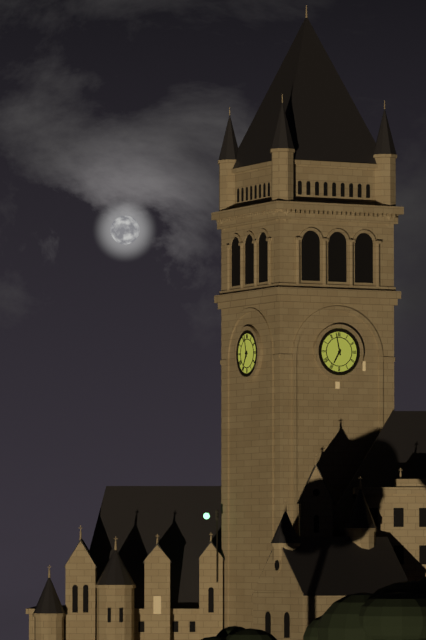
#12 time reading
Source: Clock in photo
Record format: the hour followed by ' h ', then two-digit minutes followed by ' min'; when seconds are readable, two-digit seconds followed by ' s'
6 h 58 min
